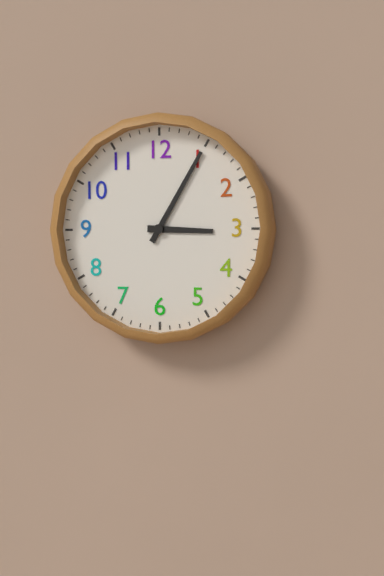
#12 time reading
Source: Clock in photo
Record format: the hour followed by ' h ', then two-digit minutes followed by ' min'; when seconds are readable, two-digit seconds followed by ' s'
3 h 05 min
